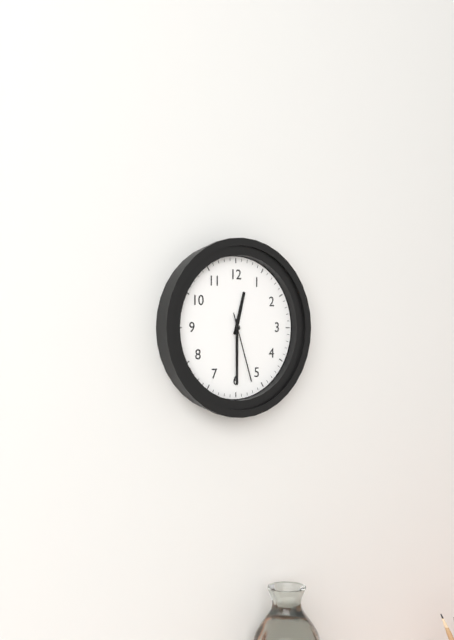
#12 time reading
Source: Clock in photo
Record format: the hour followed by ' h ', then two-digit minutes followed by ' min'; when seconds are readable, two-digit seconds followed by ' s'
12 h 30 min 27 s
